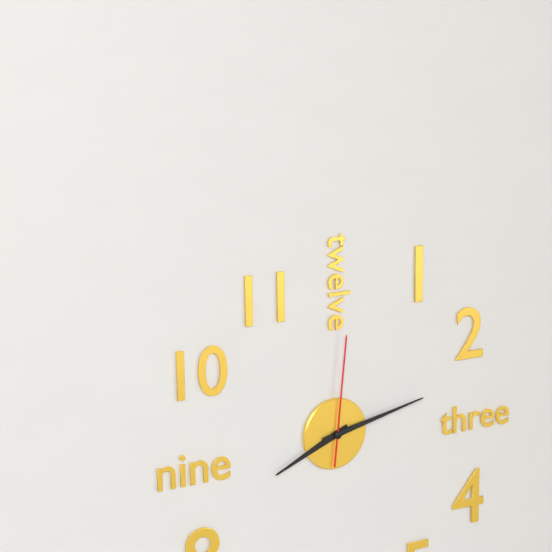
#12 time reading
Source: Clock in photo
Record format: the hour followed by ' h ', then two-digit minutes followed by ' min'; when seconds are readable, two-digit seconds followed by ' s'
8 h 13 min 01 s
